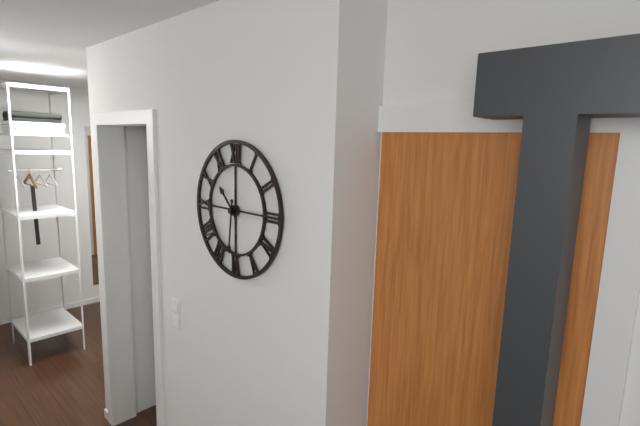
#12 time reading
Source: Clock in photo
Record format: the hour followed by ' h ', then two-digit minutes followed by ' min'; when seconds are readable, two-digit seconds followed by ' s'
10 h 31 min
